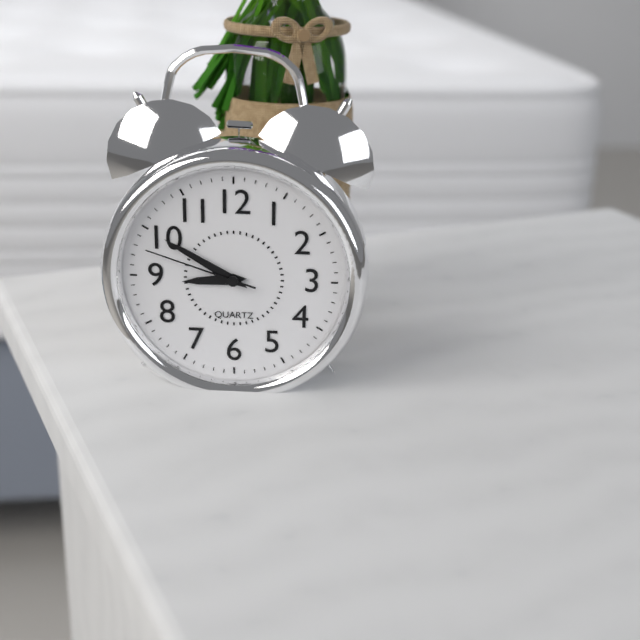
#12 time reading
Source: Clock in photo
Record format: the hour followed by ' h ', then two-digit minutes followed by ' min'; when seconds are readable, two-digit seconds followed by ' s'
8 h 50 min 48 s
